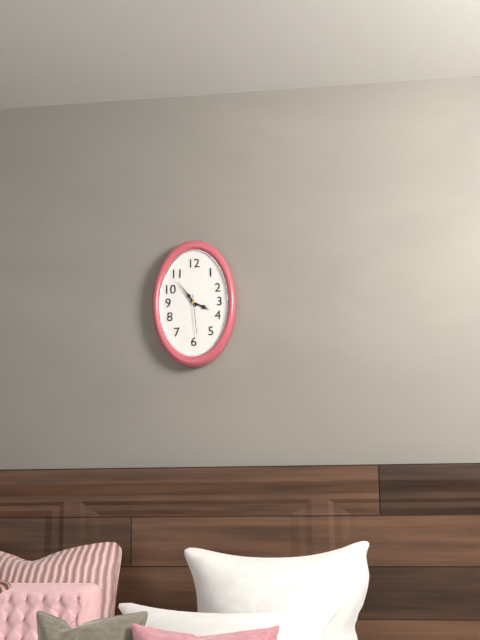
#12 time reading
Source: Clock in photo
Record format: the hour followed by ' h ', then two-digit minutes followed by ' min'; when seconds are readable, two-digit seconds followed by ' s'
3 h 54 min
